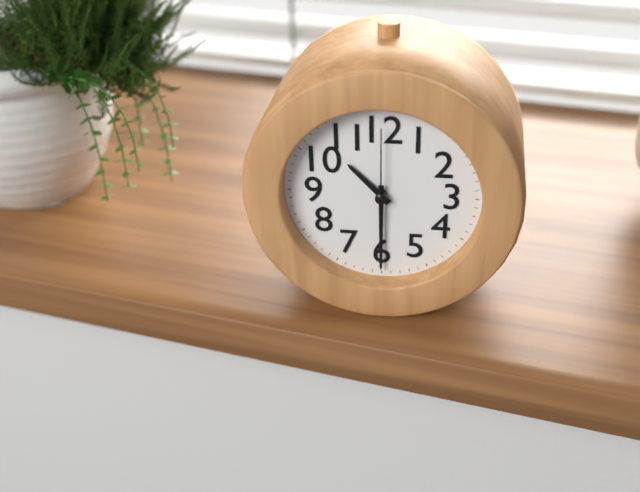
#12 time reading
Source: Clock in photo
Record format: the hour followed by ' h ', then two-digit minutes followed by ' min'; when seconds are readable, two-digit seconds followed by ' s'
10 h 30 min 00 s
